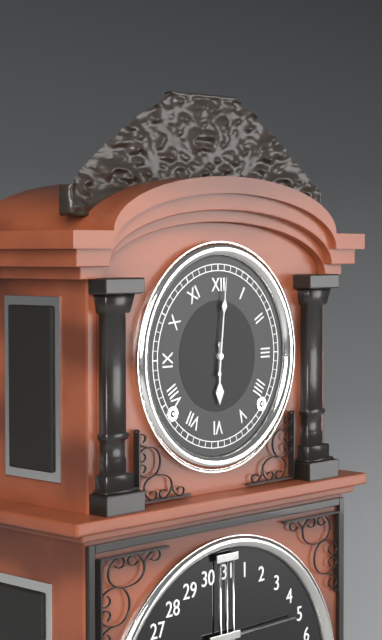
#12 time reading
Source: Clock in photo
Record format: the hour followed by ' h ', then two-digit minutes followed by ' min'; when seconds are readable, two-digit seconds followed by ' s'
6 h 01 min
